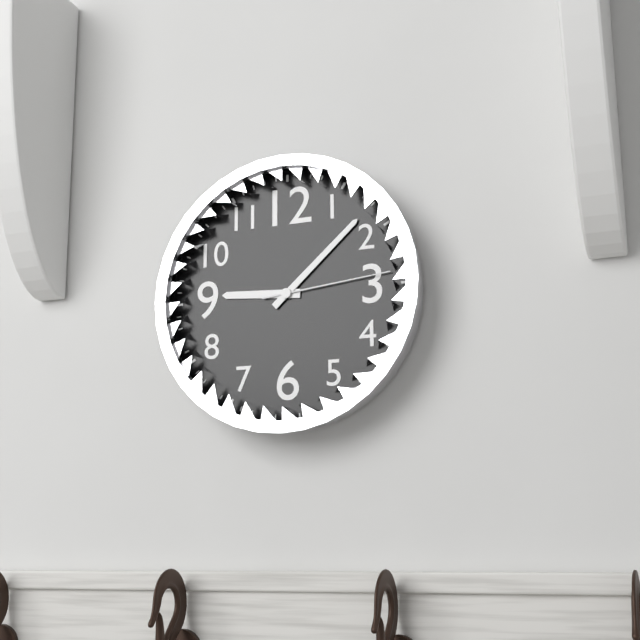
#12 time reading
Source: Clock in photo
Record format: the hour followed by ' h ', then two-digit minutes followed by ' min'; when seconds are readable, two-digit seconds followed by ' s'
9 h 08 min 14 s
